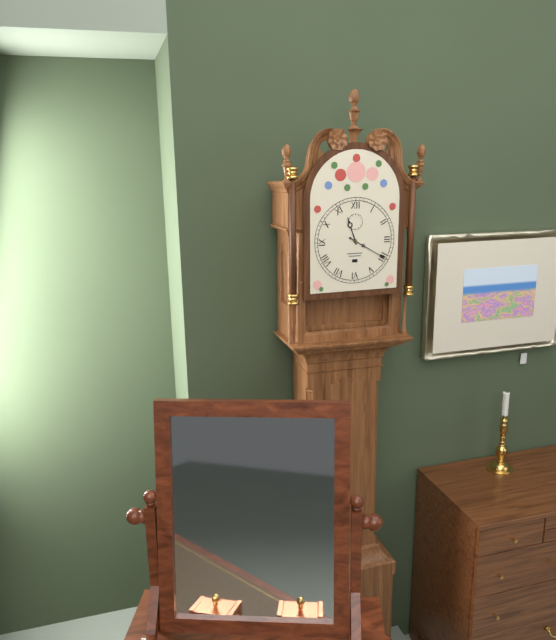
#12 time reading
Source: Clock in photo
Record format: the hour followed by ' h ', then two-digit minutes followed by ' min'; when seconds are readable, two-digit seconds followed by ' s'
11 h 20 min
